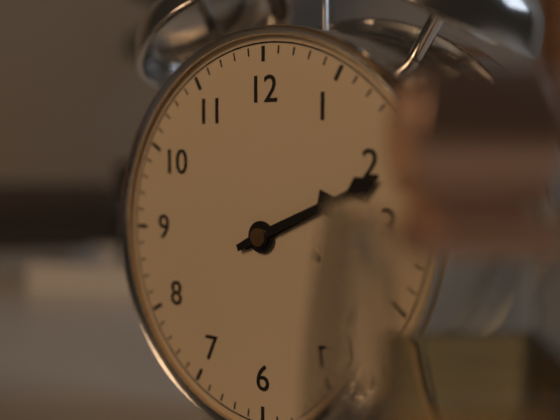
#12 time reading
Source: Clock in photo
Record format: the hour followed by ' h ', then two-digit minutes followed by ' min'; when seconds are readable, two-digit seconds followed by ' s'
2 h 11 min
